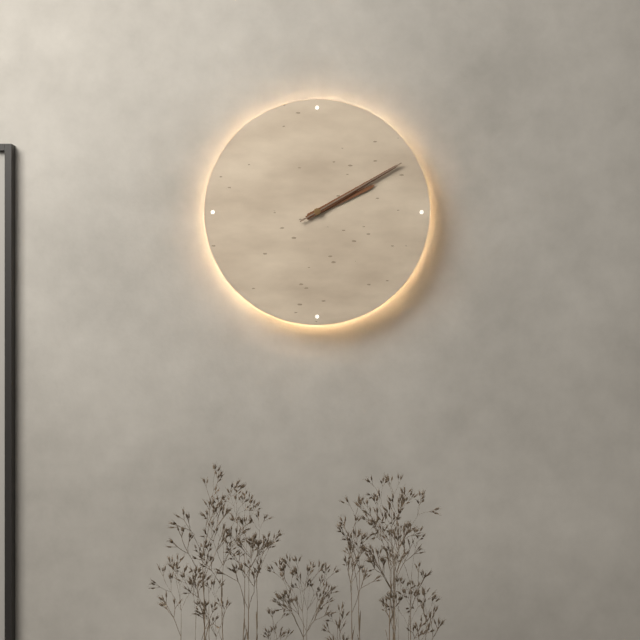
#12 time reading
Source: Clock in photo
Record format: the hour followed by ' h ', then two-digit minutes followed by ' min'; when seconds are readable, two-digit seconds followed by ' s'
2 h 10 min 10 s
